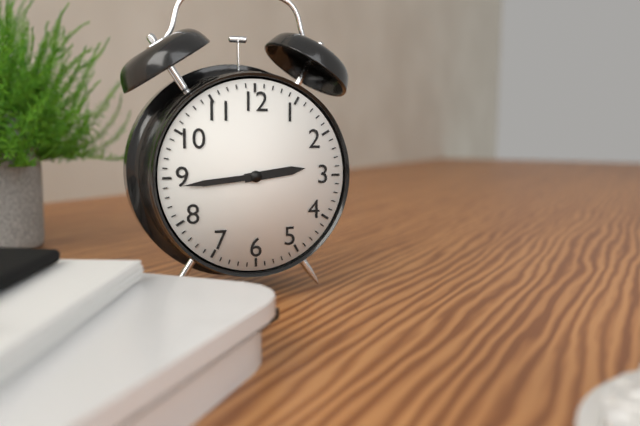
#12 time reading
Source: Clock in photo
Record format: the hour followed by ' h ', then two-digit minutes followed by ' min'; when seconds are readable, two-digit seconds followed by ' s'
2 h 44 min
